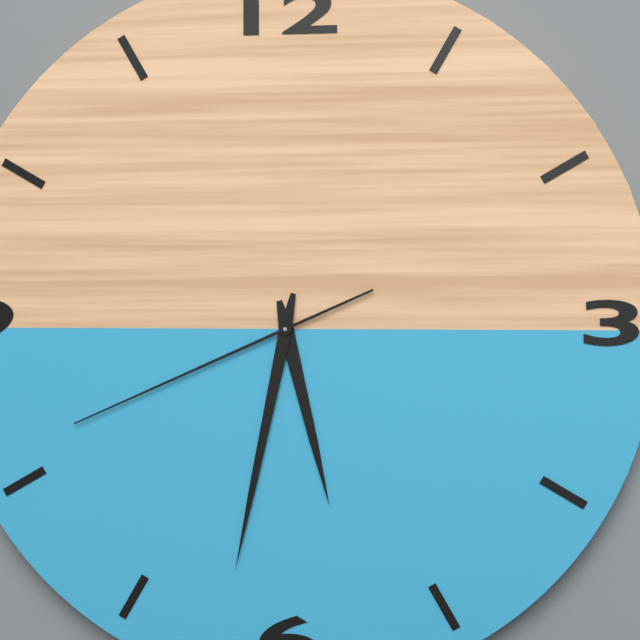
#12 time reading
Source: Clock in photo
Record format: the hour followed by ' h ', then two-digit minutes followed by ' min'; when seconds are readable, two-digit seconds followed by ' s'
5 h 32 min 41 s
